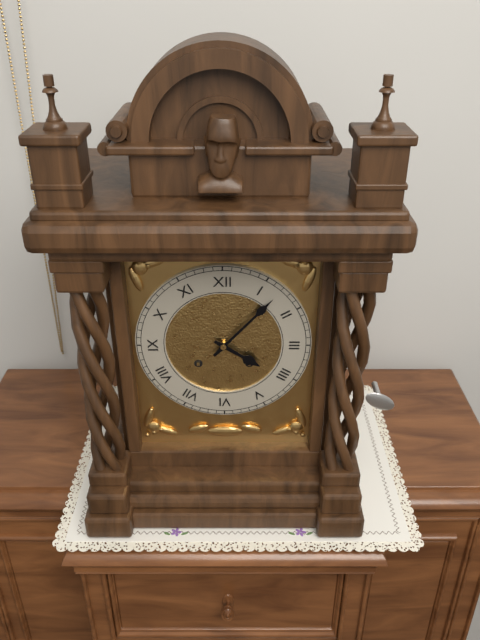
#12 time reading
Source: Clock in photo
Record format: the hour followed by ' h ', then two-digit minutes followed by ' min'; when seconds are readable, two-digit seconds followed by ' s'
4 h 07 min
